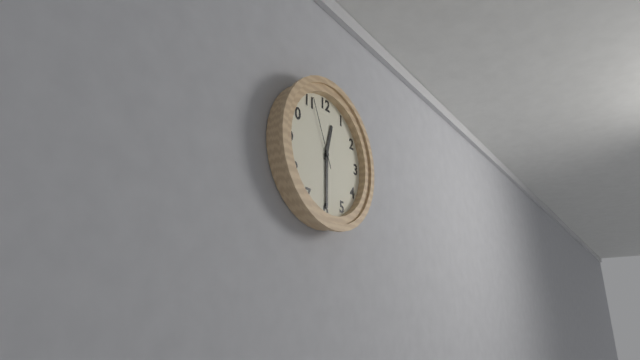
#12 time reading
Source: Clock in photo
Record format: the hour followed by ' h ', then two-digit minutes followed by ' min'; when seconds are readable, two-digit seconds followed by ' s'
12 h 30 min 56 s
